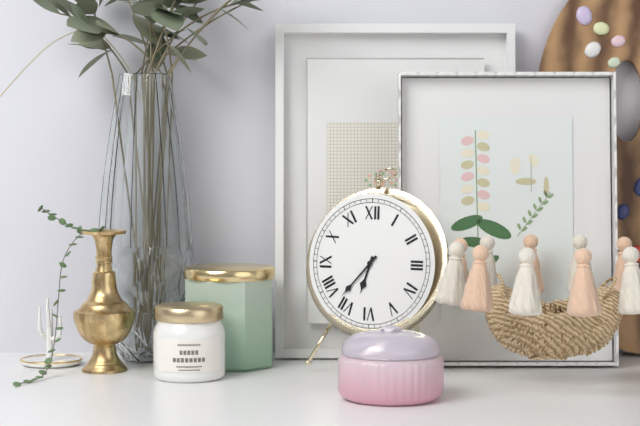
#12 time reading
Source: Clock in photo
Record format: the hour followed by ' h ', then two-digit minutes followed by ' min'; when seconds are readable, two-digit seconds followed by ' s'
6 h 37 min
